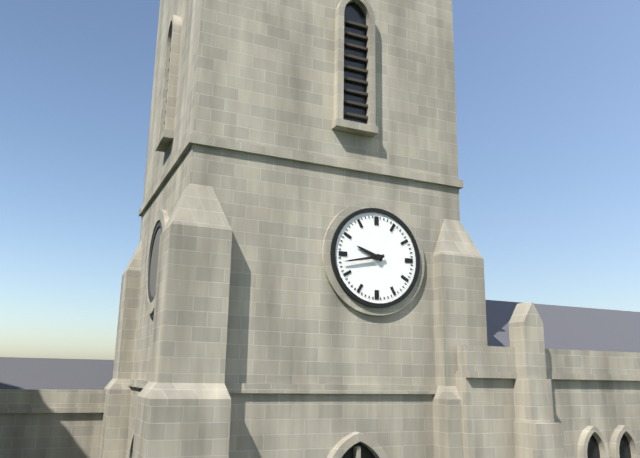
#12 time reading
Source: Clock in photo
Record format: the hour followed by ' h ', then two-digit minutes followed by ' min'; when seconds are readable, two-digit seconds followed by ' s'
9 h 43 min
